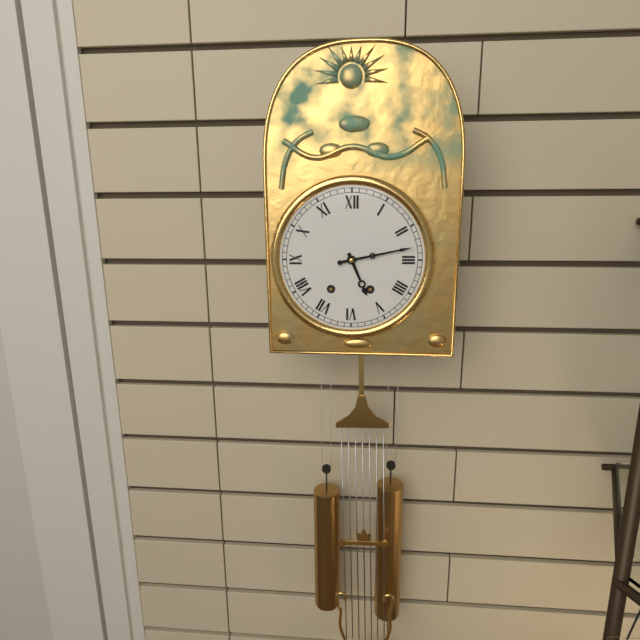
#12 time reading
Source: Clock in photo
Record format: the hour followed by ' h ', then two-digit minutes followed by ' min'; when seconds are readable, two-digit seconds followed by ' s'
5 h 13 min
